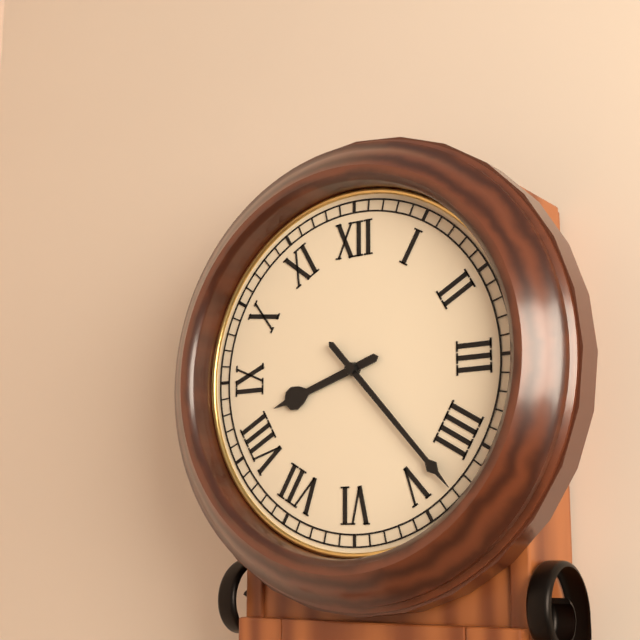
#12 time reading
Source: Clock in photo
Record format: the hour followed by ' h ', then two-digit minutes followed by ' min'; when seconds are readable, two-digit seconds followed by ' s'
8 h 23 min
